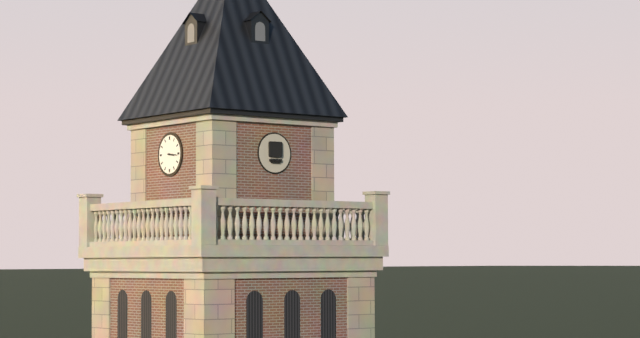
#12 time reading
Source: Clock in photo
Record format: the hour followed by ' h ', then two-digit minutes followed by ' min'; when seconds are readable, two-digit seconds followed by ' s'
3 h 16 min
